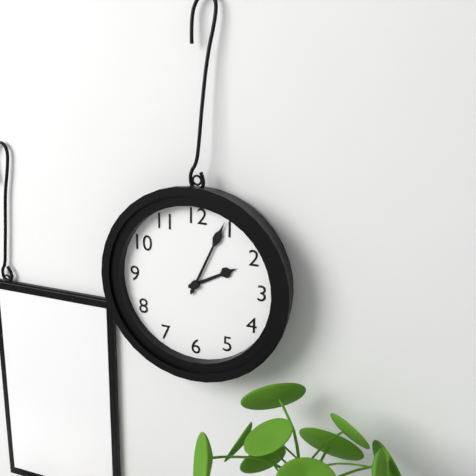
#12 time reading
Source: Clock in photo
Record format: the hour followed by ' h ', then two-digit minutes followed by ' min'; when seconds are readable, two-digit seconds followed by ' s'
2 h 04 min
